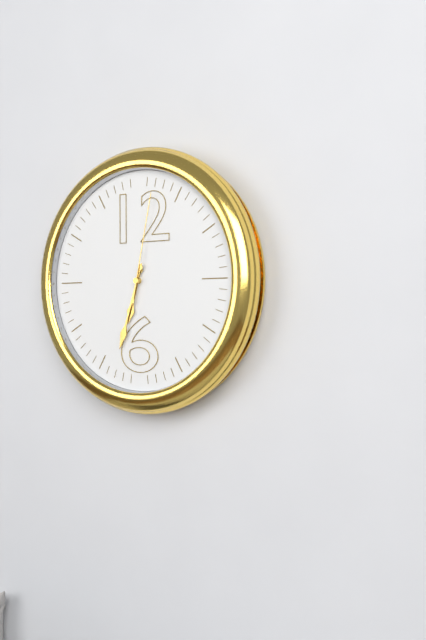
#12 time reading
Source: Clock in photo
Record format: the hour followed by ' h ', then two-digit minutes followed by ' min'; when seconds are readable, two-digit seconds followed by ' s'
6 h 33 min 02 s
